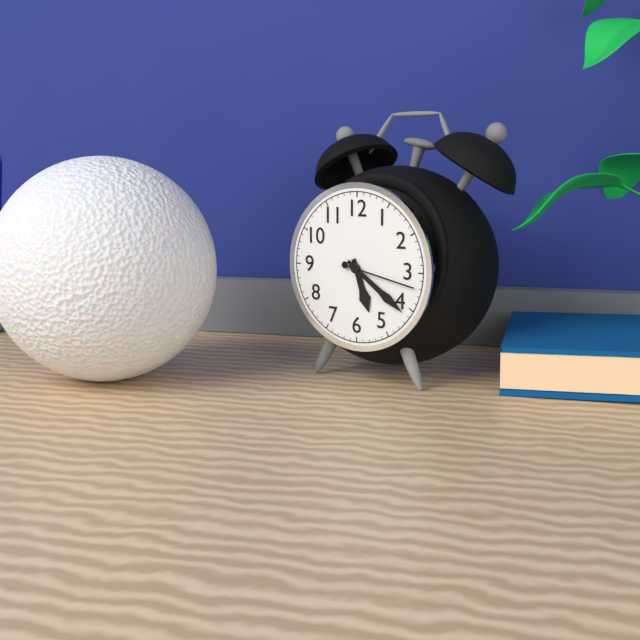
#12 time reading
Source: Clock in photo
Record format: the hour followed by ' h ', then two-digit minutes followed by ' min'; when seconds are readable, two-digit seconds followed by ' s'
5 h 21 min 17 s
